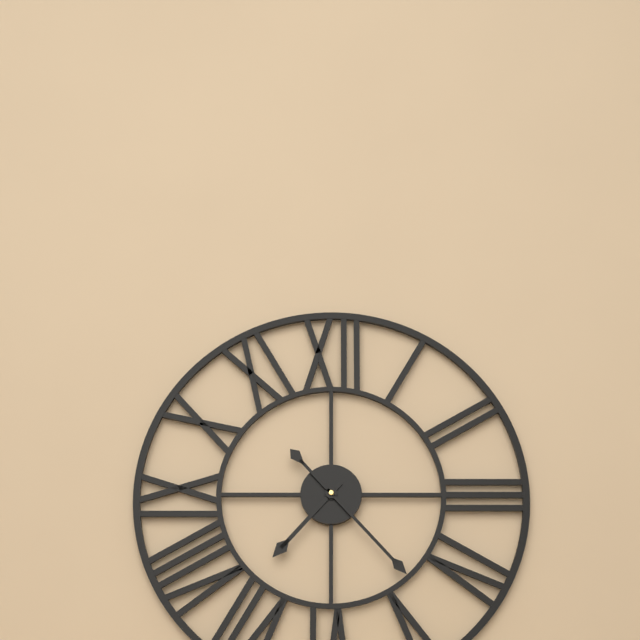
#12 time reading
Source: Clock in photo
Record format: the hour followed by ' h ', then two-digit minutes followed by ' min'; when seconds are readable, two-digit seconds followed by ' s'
7 h 23 min
